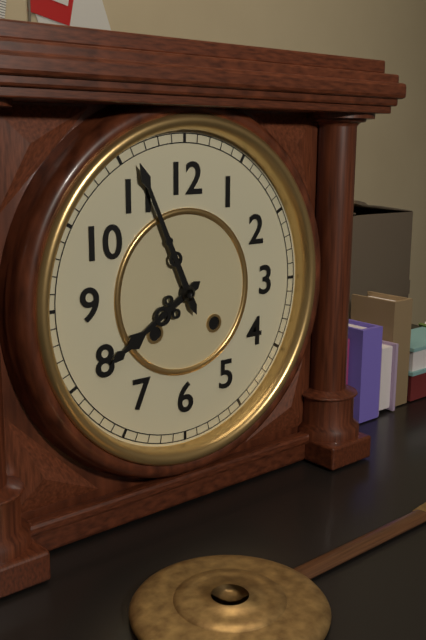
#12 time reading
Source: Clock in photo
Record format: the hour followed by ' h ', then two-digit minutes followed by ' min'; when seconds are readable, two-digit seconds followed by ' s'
7 h 56 min
